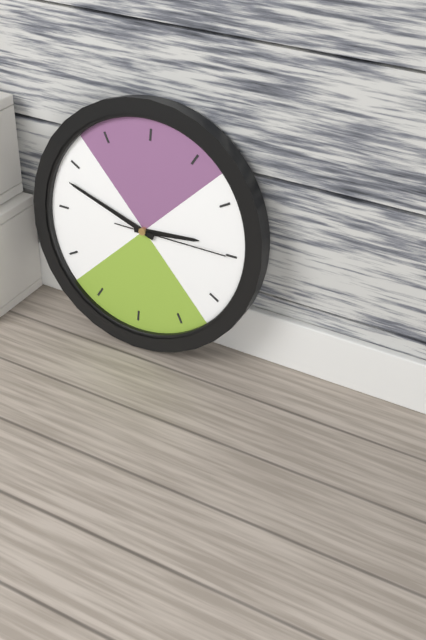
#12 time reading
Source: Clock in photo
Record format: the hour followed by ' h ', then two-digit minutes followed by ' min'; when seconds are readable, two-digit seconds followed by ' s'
2 h 48 min 15 s
